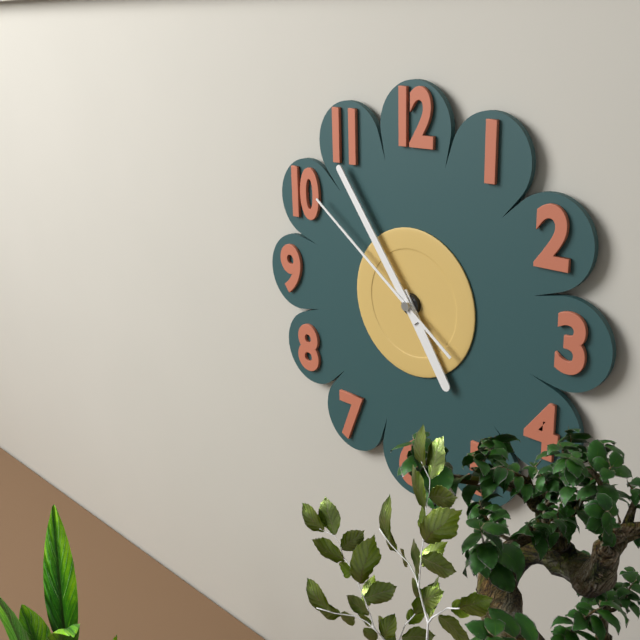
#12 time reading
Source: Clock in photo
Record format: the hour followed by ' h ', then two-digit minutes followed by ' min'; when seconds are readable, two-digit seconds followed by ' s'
4 h 54 min 51 s
